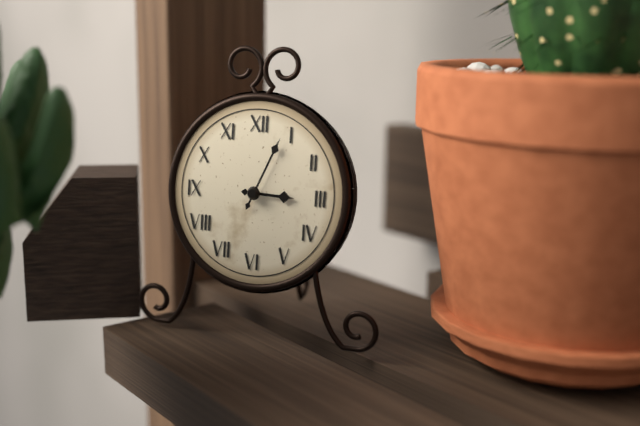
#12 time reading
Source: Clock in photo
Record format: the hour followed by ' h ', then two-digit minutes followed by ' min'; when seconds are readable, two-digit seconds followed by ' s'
3 h 04 min
